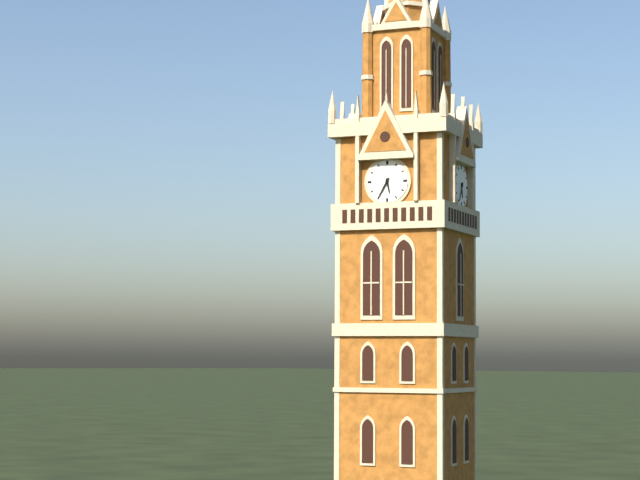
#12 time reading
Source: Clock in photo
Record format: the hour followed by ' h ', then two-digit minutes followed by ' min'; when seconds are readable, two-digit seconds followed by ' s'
5 h 35 min
